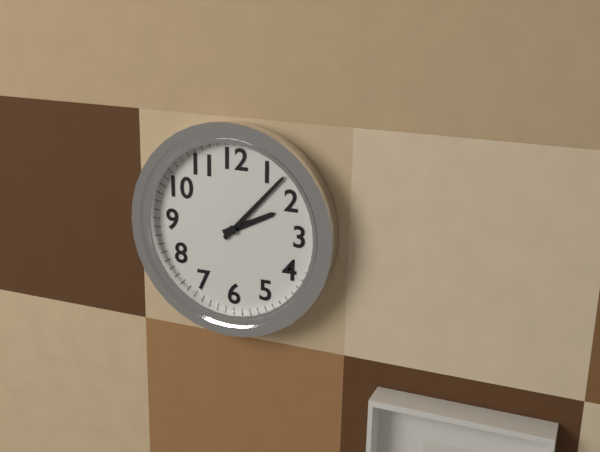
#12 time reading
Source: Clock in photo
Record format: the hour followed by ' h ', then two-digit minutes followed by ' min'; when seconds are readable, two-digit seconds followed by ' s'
2 h 07 min
